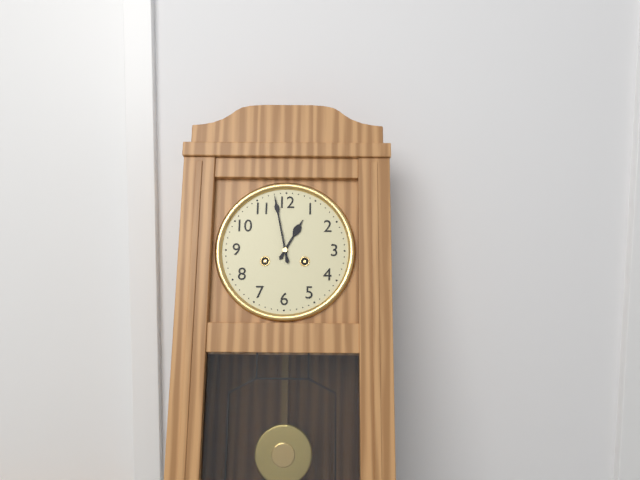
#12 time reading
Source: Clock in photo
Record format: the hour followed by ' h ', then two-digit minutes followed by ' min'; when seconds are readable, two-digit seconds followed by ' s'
12 h 58 min
